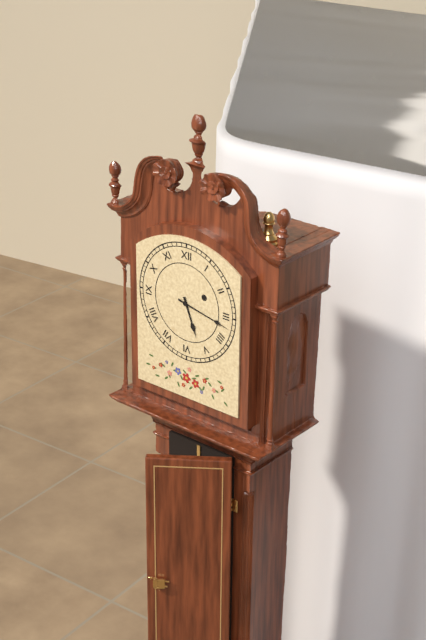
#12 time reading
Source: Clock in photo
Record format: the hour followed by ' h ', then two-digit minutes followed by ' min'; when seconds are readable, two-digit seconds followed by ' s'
5 h 17 min
